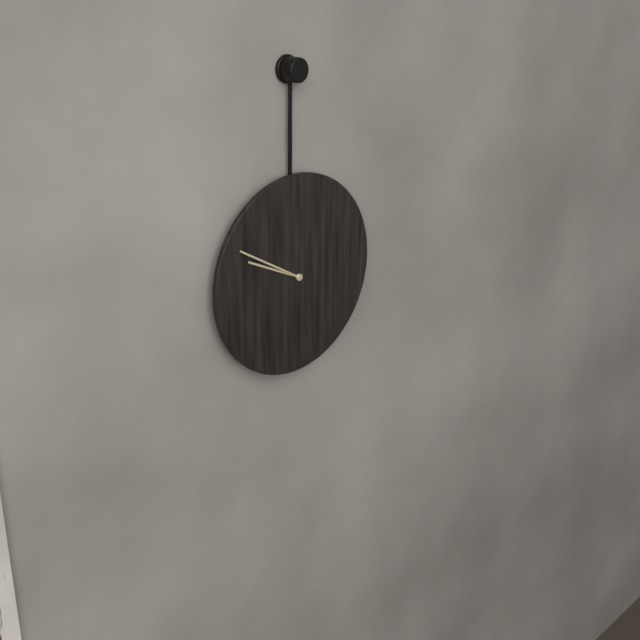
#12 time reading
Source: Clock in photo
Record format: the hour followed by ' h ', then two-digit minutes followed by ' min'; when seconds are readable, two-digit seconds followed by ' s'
9 h 50 min
